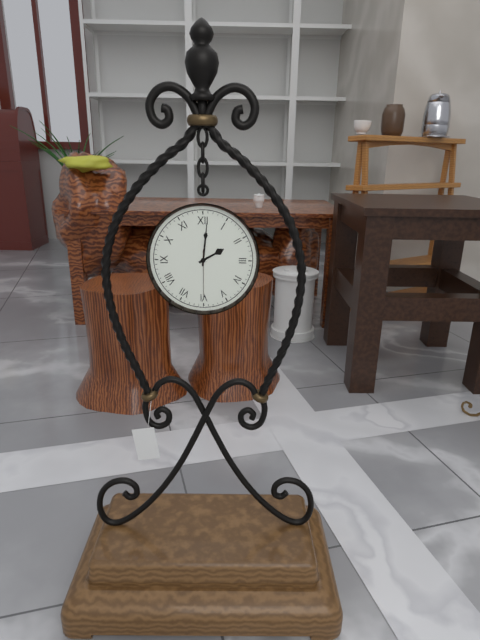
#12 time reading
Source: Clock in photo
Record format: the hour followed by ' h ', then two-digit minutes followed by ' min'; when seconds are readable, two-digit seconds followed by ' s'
2 h 01 min
